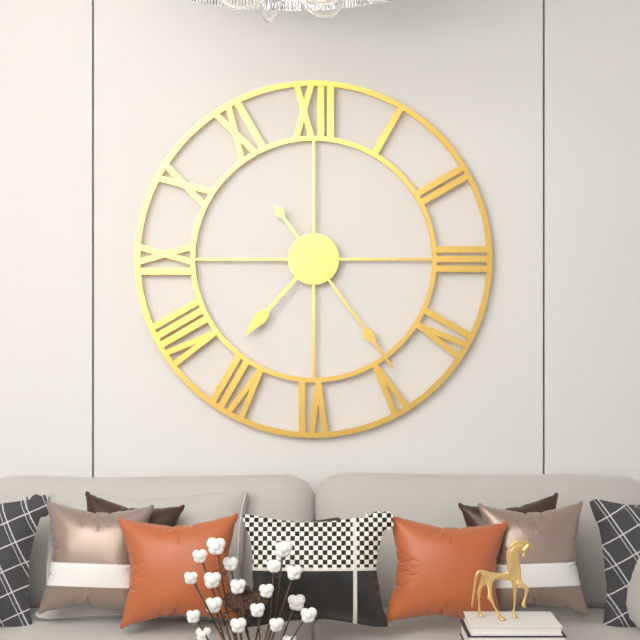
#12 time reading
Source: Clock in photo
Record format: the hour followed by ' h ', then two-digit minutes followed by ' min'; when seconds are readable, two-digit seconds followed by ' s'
7 h 24 min
